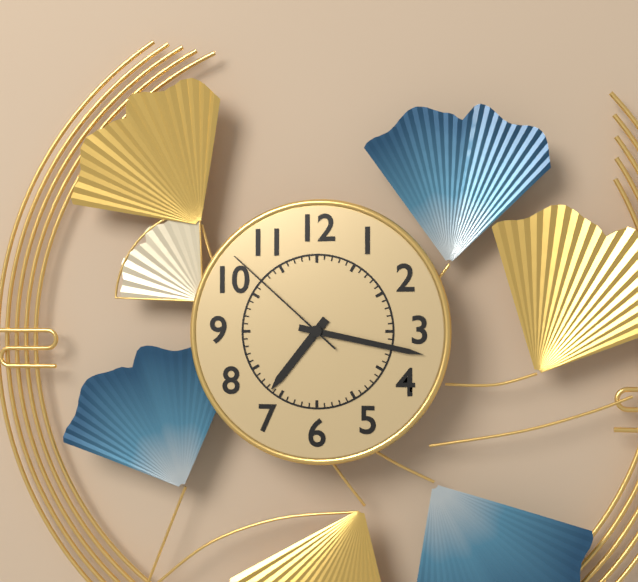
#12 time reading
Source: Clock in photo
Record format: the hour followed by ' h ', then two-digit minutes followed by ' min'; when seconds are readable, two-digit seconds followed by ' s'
7 h 17 min 52 s
